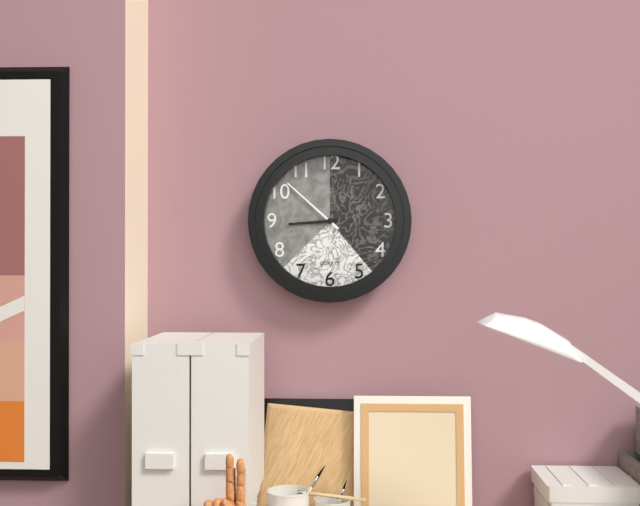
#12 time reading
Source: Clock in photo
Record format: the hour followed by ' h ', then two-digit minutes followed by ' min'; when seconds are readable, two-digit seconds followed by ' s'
8 h 52 min
